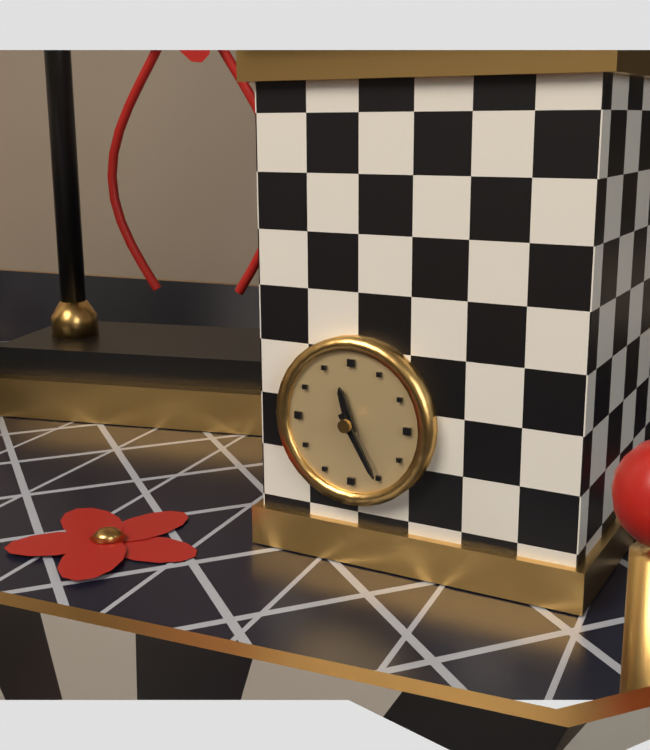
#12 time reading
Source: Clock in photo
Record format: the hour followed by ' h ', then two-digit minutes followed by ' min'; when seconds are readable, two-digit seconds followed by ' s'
11 h 25 min
